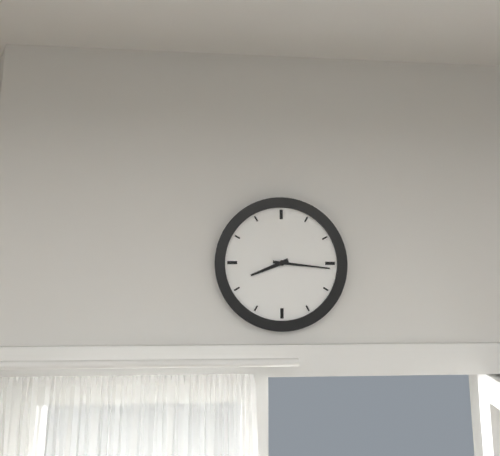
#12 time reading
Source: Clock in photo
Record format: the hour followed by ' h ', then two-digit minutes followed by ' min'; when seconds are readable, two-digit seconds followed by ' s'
8 h 16 min
